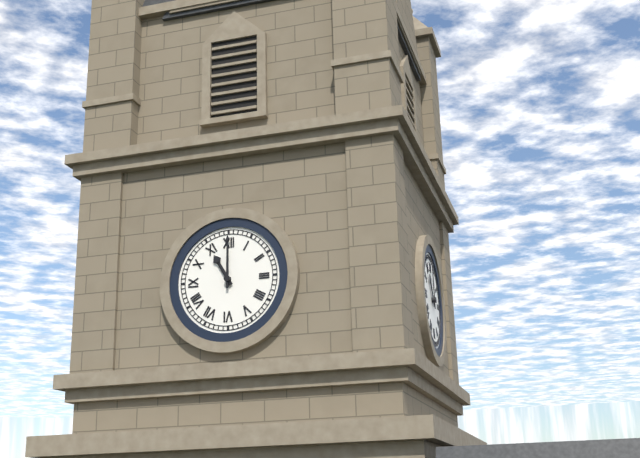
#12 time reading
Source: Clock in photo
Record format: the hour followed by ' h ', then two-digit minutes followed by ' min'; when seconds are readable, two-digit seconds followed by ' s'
11 h 00 min
